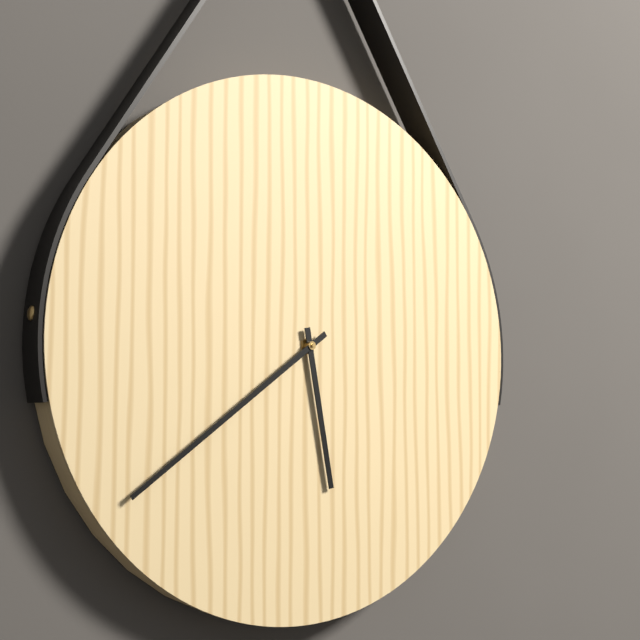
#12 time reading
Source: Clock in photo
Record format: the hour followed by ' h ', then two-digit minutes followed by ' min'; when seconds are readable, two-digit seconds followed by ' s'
5 h 39 min
